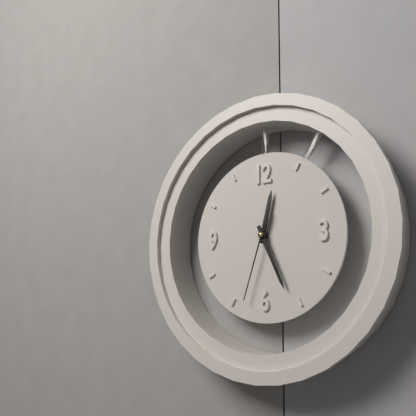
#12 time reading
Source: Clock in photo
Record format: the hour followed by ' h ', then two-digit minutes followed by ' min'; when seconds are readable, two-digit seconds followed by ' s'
12 h 26 min 33 s
